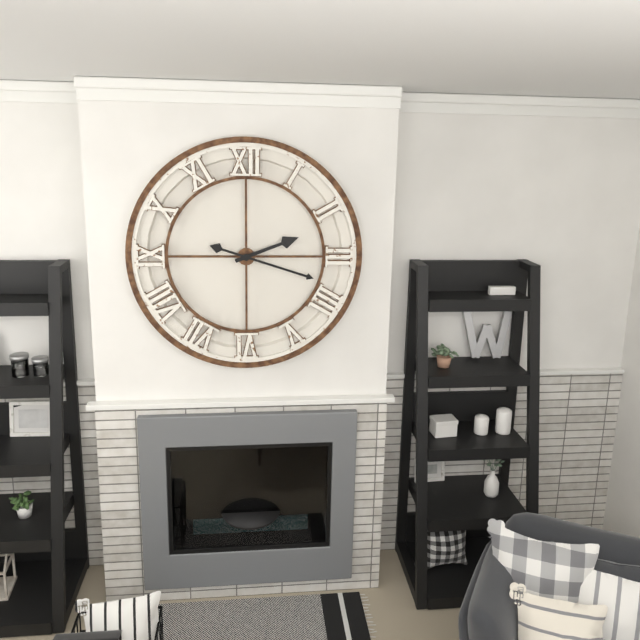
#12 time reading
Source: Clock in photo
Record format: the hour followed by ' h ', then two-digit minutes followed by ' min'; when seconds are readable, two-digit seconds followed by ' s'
2 h 18 min
